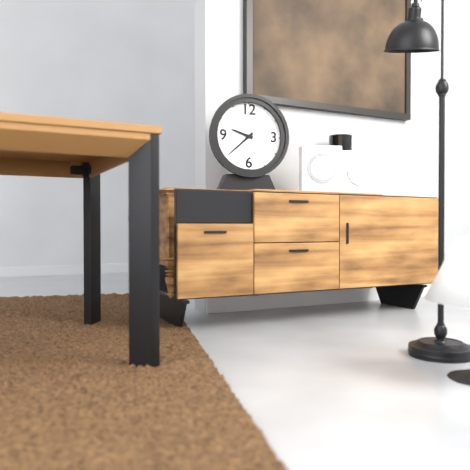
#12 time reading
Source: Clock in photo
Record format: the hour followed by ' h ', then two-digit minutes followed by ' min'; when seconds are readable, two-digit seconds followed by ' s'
9 h 38 min
